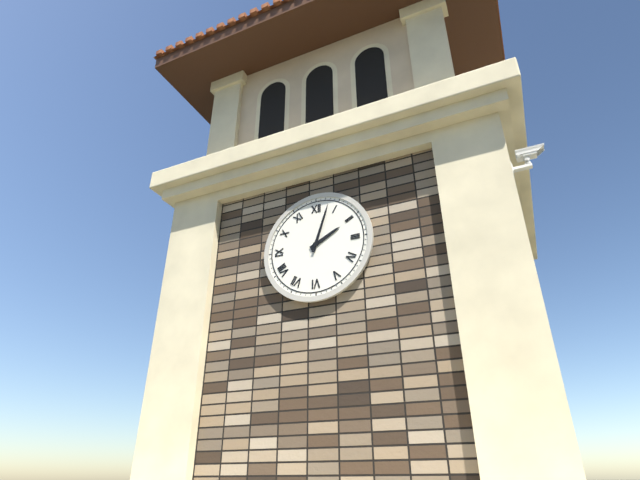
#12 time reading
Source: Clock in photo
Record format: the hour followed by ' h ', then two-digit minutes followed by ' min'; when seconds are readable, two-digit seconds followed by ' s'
2 h 03 min
